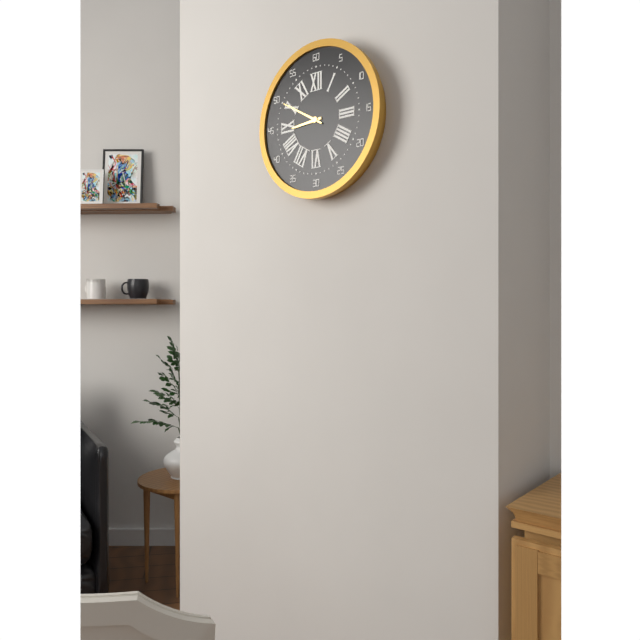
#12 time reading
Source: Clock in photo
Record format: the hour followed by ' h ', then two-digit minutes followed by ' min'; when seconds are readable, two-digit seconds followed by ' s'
8 h 50 min
